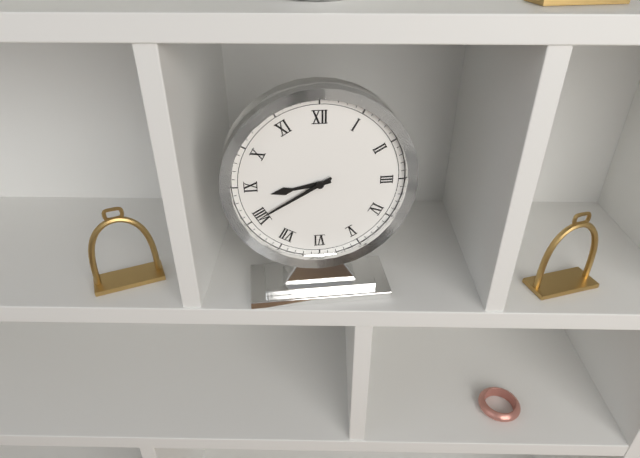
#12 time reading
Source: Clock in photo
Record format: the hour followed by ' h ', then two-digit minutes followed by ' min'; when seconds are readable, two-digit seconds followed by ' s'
8 h 40 min
